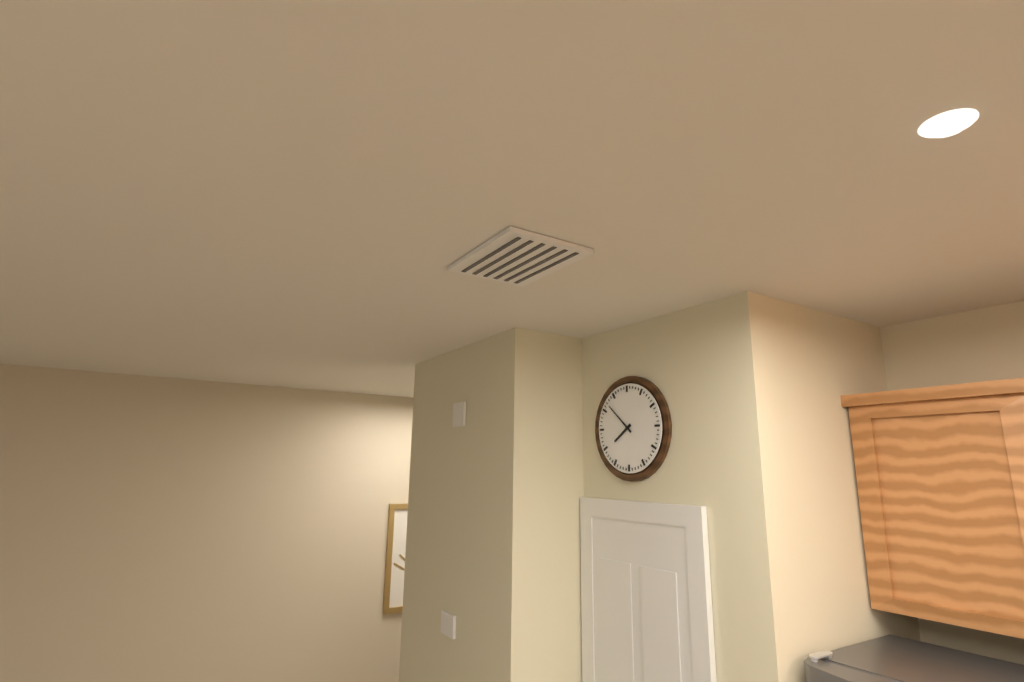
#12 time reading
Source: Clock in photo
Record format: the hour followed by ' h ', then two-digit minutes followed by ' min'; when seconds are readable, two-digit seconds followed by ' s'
7 h 52 min
